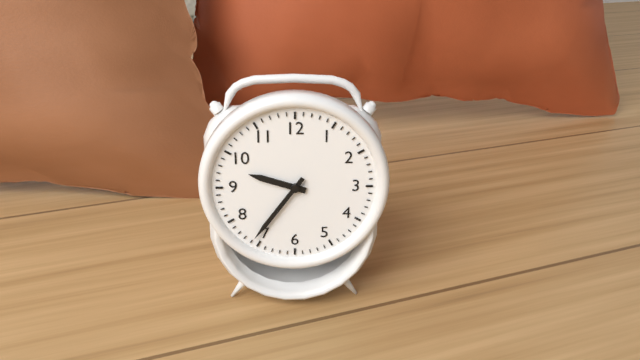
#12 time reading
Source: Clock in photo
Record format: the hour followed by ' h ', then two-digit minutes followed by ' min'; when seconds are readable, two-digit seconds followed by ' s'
9 h 36 min
